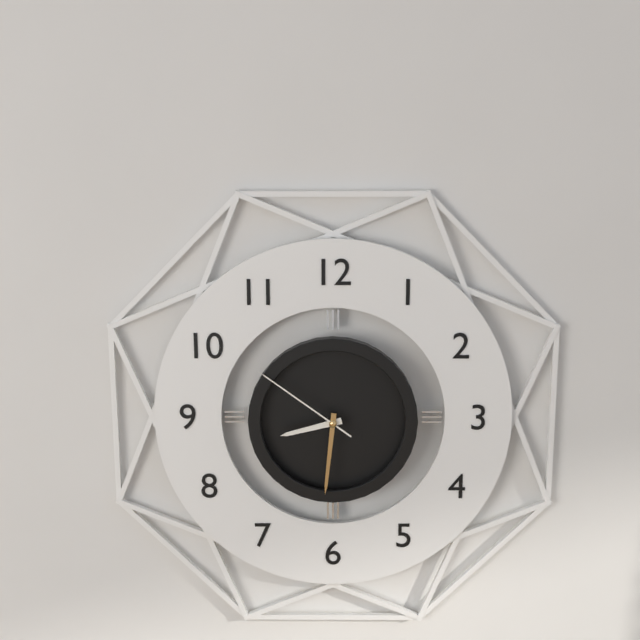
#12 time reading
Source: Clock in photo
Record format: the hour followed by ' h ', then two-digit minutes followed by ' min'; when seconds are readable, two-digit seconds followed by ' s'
8 h 31 min 51 s
